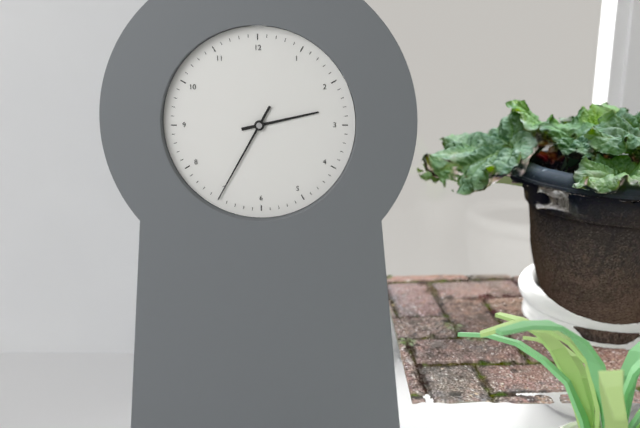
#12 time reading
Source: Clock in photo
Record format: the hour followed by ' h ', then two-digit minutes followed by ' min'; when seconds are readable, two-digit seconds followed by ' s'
2 h 35 min
